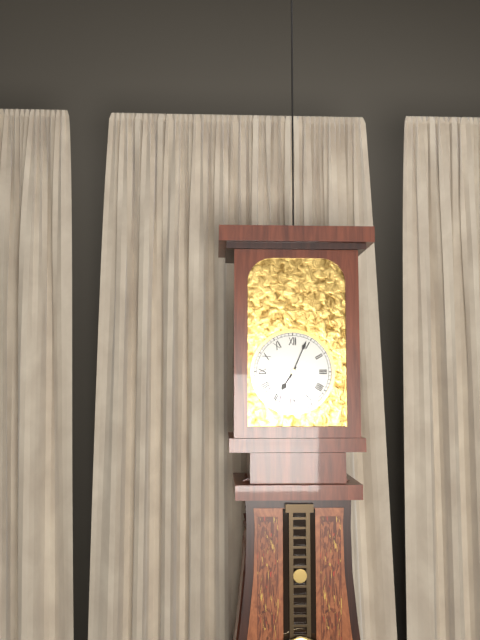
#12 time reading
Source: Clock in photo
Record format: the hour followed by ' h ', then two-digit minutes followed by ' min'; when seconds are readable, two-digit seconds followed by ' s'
7 h 04 min
